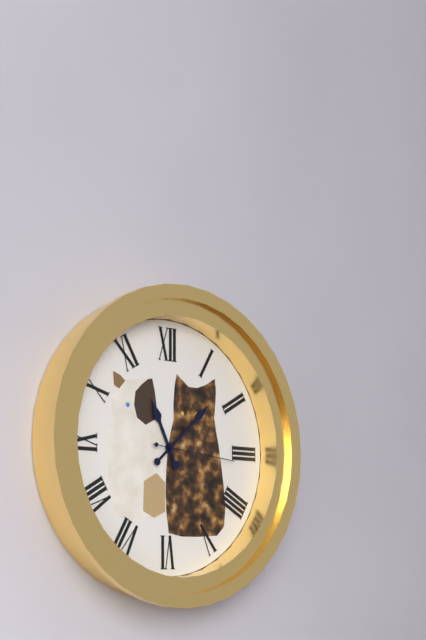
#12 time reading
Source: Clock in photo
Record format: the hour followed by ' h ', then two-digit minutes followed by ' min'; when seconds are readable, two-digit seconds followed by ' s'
11 h 08 min 16 s
